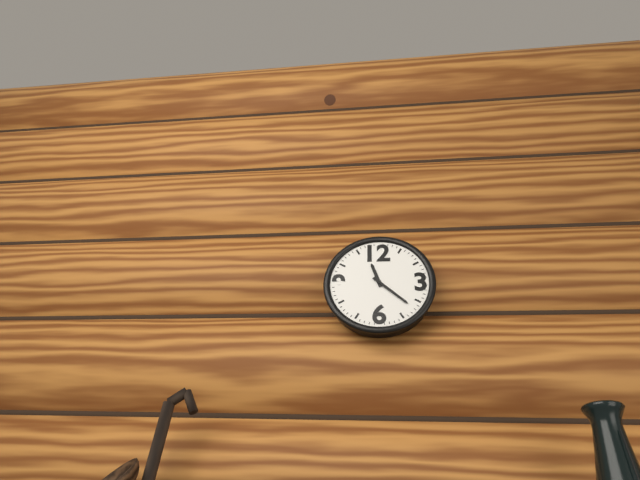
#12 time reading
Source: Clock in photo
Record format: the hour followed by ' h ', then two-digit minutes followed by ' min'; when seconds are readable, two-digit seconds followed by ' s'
11 h 22 min
